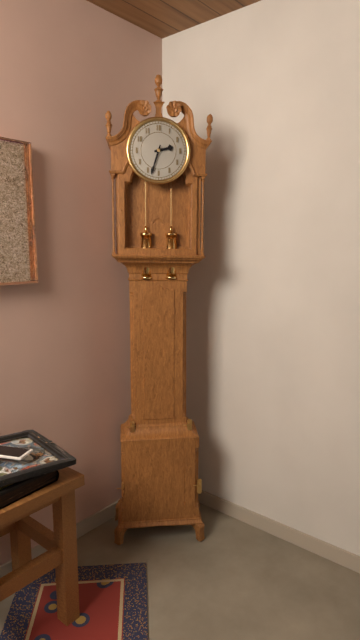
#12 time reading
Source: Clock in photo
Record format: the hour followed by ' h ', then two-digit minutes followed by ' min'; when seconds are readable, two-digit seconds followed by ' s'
2 h 33 min
